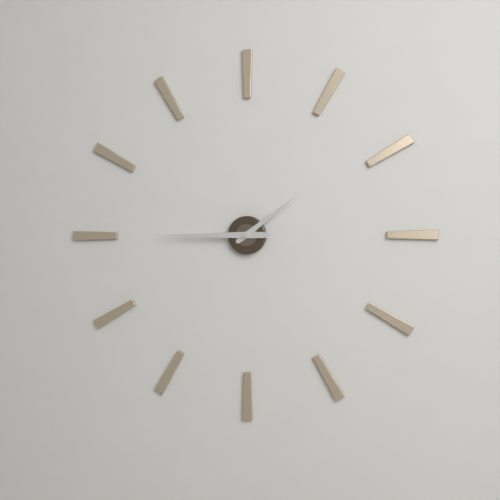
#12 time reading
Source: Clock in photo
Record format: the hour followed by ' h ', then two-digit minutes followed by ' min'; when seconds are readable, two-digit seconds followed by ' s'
1 h 45 min
